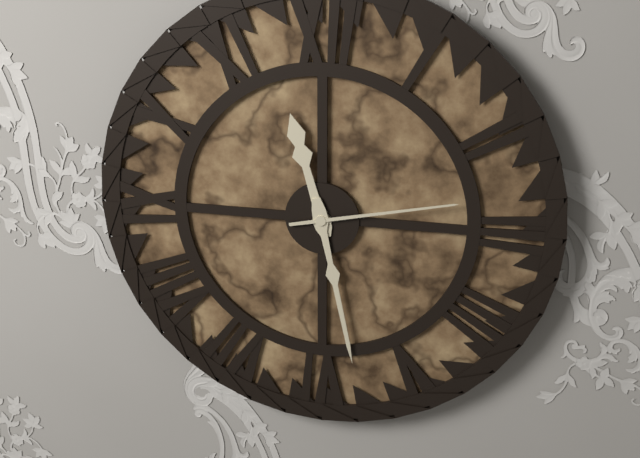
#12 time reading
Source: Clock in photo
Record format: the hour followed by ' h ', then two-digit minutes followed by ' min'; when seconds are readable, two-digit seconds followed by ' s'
11 h 28 min 13 s
